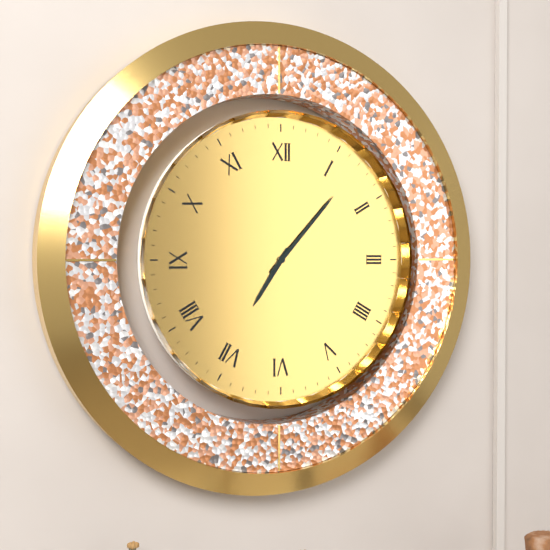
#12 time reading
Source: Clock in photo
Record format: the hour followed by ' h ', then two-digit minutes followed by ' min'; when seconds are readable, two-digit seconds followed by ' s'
7 h 07 min
